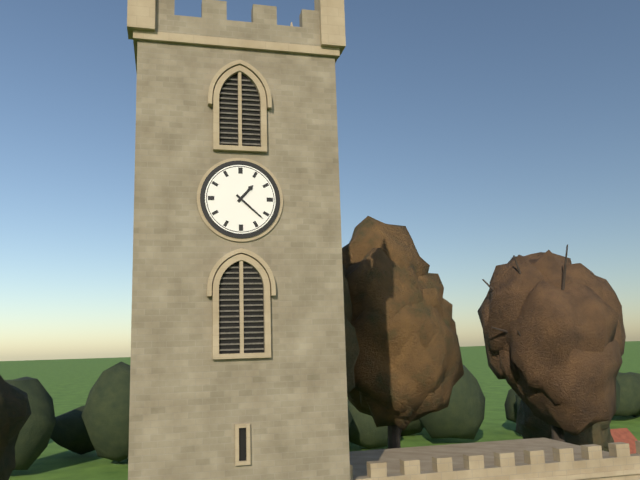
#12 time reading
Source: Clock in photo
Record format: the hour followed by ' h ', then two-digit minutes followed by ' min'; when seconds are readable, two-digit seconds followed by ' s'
1 h 22 min
